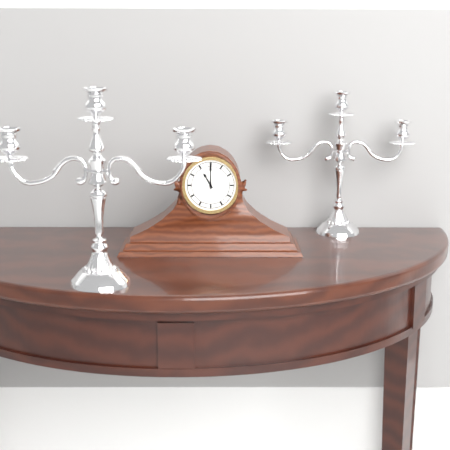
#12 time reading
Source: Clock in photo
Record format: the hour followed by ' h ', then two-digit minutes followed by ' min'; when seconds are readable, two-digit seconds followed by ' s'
11 h 00 min
